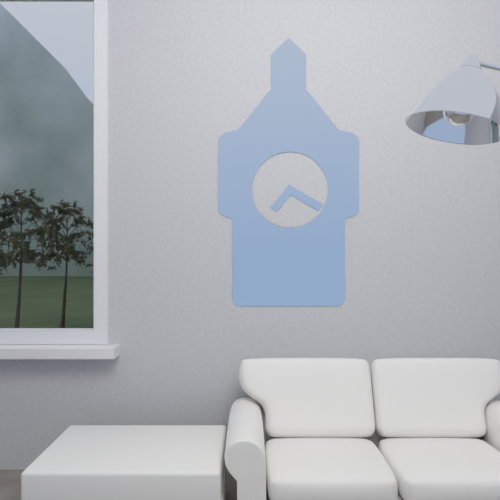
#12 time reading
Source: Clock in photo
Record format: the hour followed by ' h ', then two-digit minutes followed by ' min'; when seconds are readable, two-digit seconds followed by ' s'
7 h 20 min
